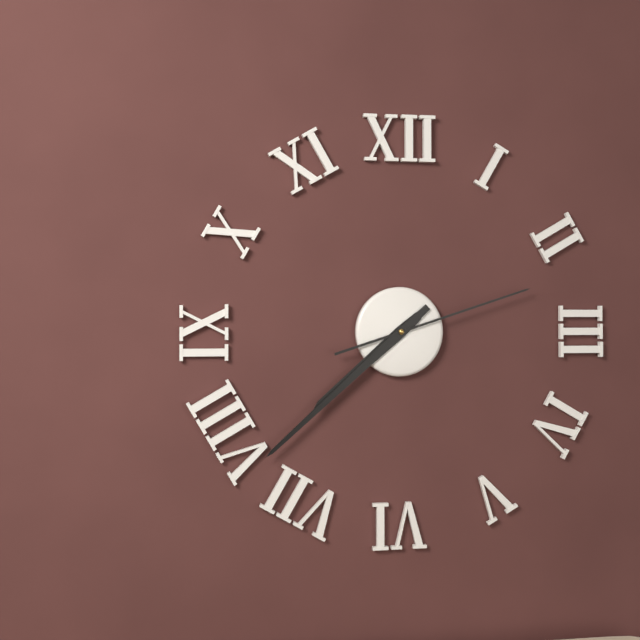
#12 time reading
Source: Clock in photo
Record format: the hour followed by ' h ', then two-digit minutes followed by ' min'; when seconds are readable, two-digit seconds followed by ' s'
7 h 38 min 12 s
